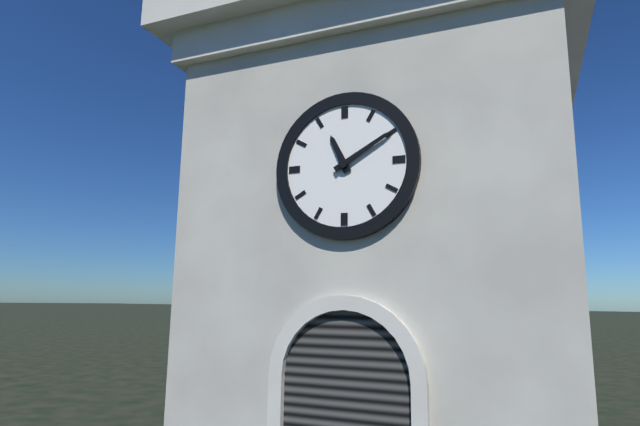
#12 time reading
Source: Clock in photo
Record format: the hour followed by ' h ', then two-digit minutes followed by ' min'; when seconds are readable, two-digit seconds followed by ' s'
11 h 10 min
